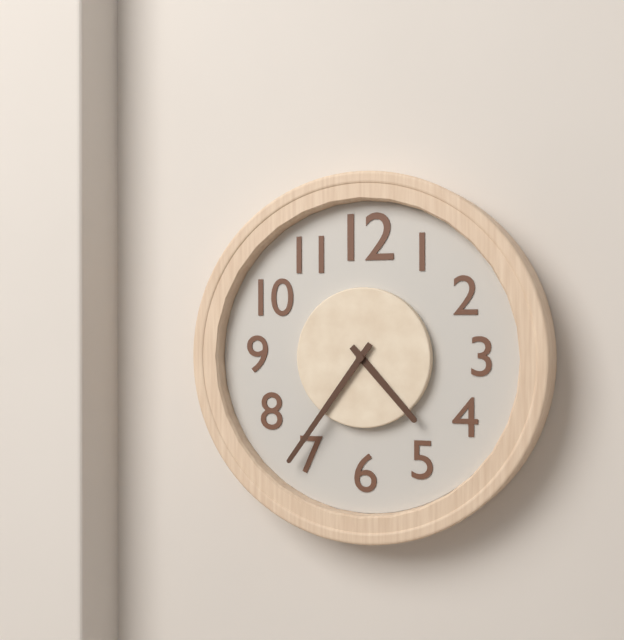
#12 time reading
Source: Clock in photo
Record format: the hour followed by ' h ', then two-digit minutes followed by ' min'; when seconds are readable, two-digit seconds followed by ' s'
4 h 36 min
